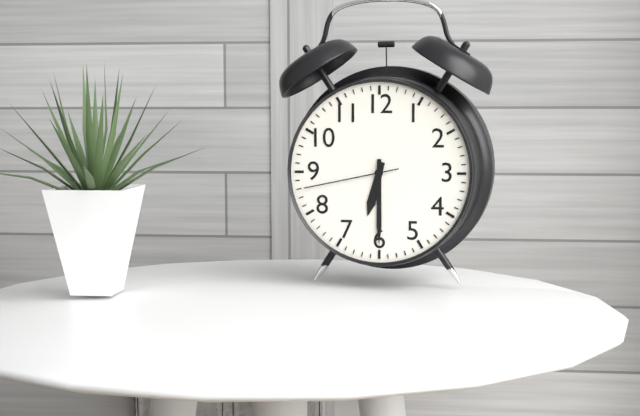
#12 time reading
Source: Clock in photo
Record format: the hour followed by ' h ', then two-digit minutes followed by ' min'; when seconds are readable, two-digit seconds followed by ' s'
6 h 30 min 43 s
